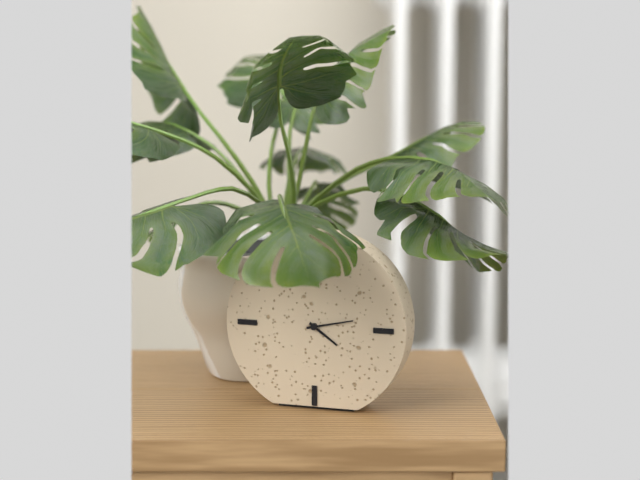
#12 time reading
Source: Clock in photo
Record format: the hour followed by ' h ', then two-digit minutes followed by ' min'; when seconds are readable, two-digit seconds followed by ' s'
4 h 13 min
